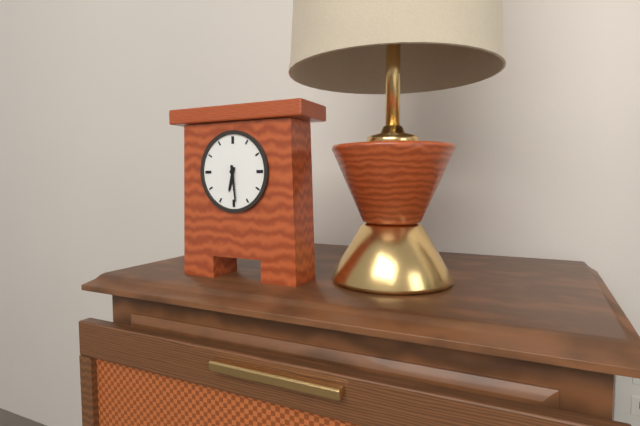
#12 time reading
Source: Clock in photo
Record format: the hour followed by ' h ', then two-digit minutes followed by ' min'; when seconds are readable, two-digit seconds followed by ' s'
6 h 29 min
